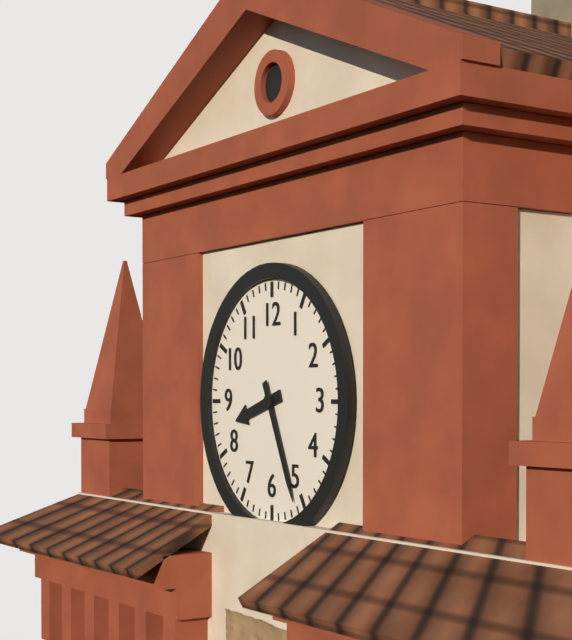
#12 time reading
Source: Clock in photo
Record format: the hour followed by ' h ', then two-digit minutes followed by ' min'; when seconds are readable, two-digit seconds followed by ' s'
8 h 26 min
